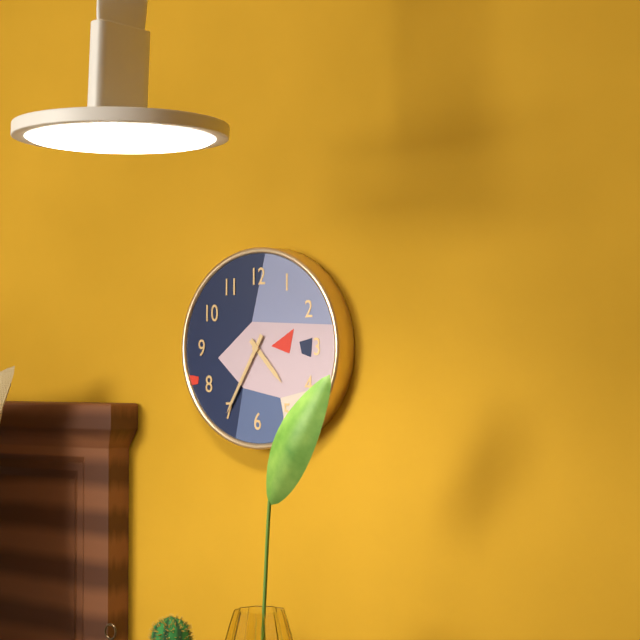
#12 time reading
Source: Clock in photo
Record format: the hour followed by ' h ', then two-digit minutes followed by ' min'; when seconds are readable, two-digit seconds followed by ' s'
4 h 35 min
